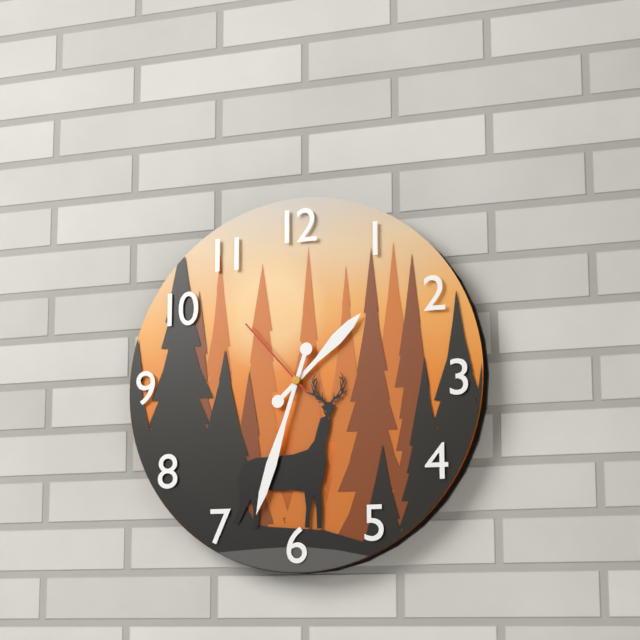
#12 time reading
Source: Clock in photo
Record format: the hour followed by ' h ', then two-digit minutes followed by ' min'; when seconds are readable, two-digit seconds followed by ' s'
1 h 33 min 53 s
